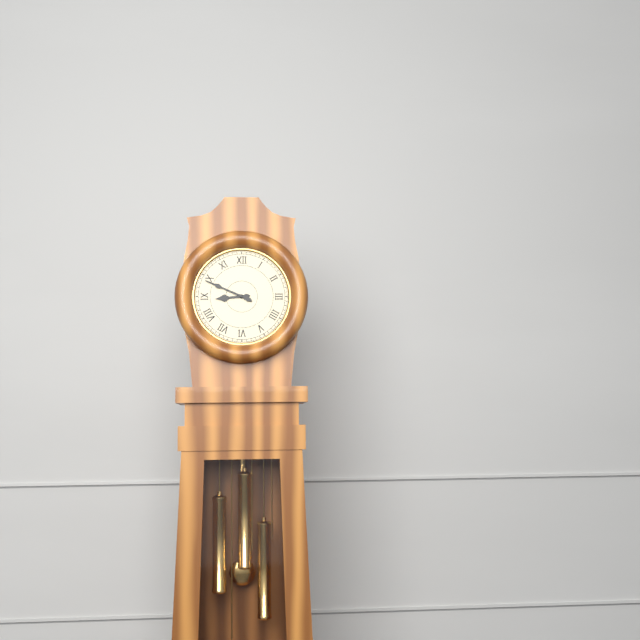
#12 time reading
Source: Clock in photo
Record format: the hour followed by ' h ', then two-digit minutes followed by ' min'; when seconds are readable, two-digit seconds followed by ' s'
8 h 49 min
